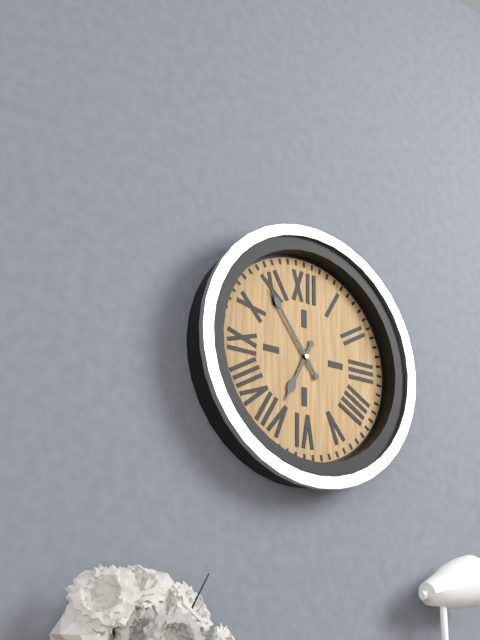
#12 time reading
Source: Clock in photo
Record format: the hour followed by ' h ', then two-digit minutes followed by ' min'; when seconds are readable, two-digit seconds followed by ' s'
6 h 54 min
